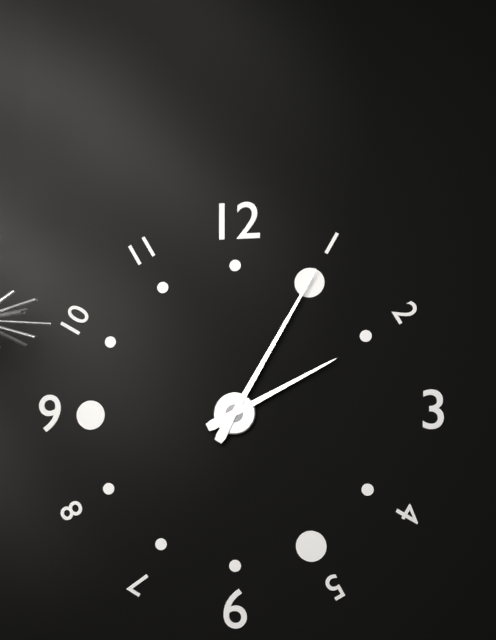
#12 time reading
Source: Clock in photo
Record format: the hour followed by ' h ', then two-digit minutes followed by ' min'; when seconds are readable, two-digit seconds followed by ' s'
2 h 05 min
